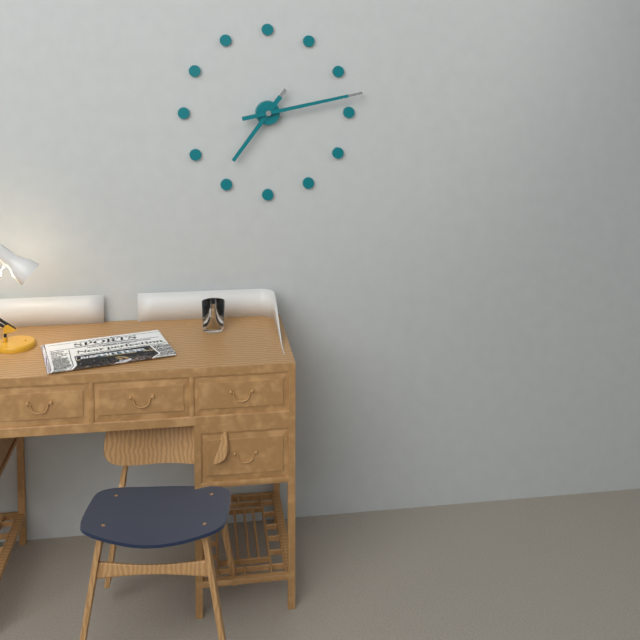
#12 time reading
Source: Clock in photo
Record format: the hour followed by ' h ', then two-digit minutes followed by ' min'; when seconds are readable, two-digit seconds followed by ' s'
7 h 13 min
